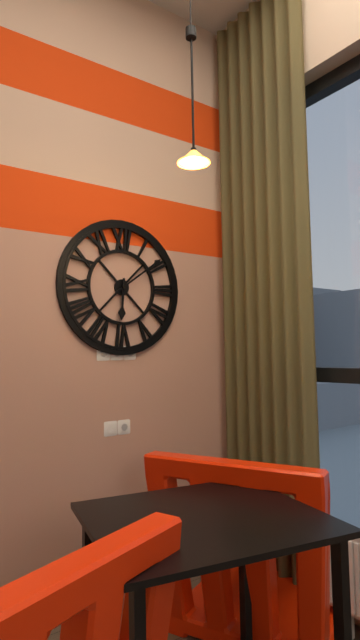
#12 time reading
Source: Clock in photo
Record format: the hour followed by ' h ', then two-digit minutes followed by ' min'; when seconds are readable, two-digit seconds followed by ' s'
6 h 09 min
